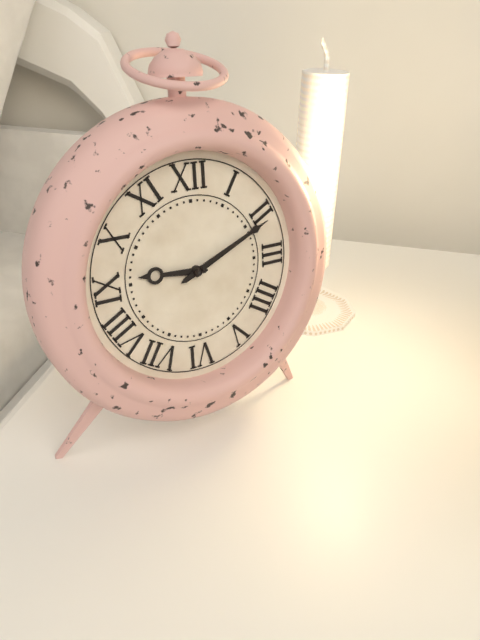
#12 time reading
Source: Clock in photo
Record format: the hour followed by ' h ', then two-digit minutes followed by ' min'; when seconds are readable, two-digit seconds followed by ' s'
9 h 11 min
